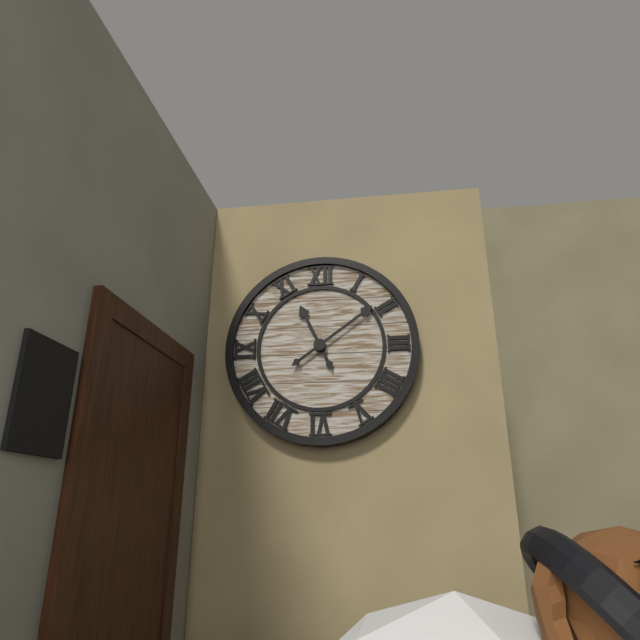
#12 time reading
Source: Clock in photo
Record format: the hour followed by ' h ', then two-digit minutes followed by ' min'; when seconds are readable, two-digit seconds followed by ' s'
11 h 09 min
